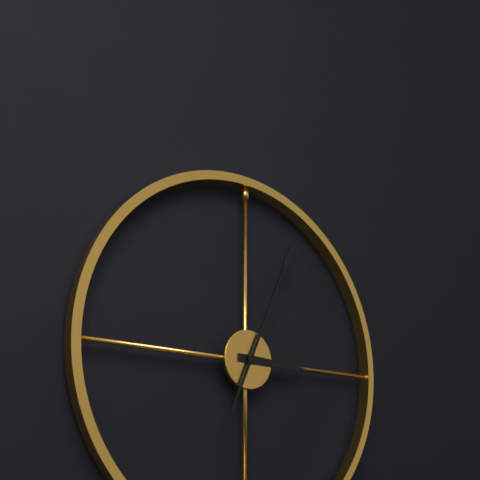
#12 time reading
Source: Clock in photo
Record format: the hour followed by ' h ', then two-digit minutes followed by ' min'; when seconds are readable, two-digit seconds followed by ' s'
3 h 04 min
